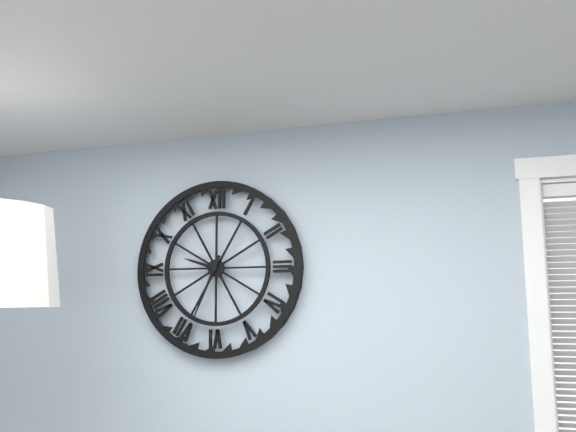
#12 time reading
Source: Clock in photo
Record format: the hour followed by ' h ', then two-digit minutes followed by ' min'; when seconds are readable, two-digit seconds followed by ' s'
9 h 34 min
